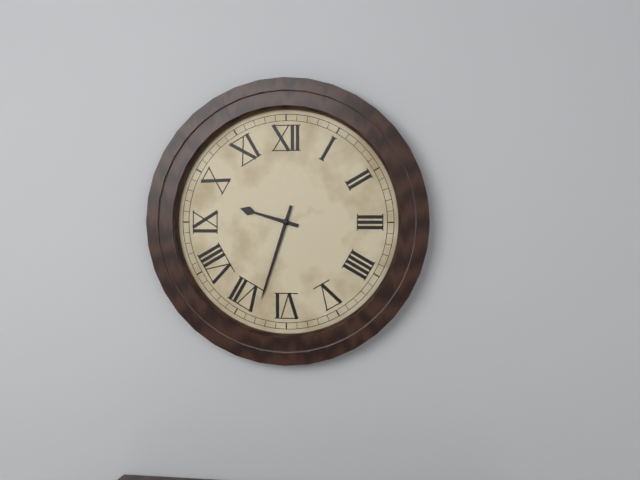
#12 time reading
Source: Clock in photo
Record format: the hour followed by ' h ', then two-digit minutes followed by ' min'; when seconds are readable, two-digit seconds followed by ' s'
9 h 33 min
